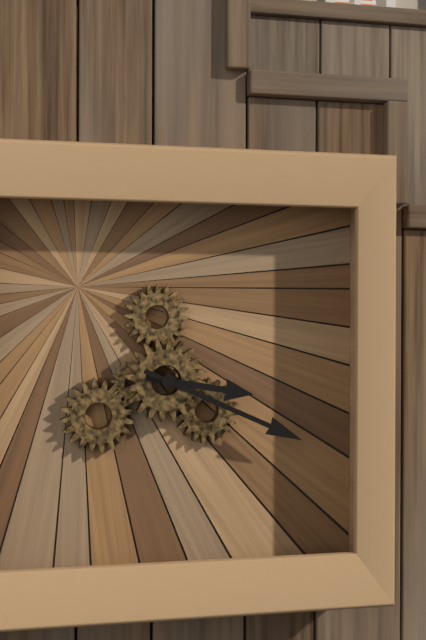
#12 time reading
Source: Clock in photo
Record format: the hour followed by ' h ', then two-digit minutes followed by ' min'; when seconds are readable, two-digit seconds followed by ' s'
3 h 19 min
